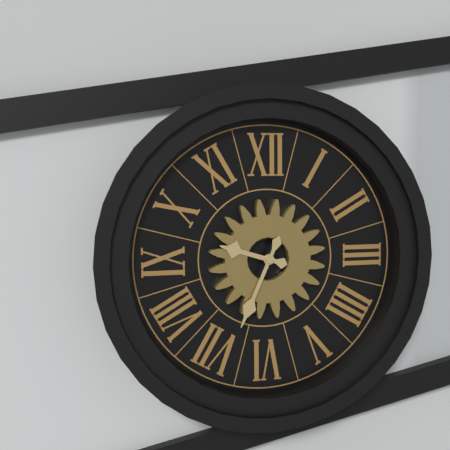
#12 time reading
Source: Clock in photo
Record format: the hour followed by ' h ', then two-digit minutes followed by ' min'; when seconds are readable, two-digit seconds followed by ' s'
9 h 34 min
